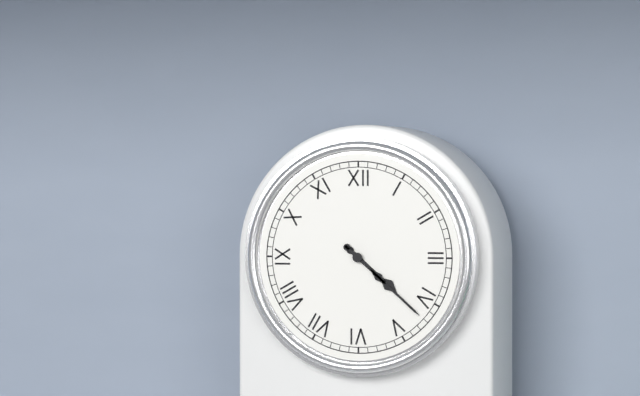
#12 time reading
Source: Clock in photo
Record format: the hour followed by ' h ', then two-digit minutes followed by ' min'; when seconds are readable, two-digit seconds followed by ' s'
4 h 22 min
